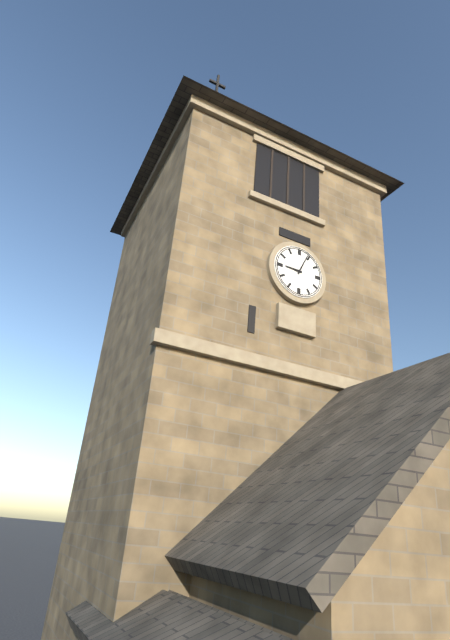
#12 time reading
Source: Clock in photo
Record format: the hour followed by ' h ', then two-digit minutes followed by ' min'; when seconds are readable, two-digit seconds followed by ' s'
9 h 04 min
